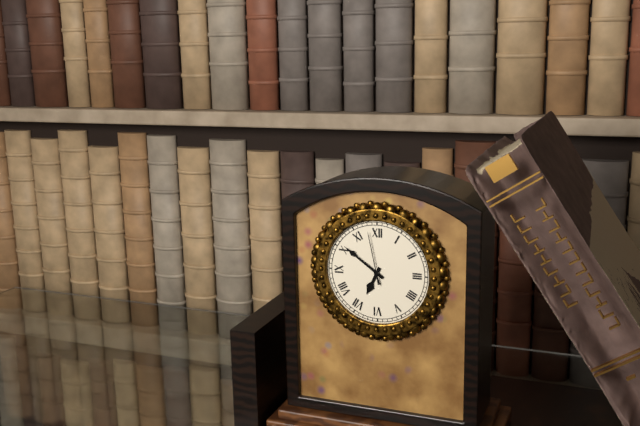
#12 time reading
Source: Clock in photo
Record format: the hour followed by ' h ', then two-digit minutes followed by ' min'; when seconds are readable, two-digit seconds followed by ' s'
6 h 51 min 58 s
